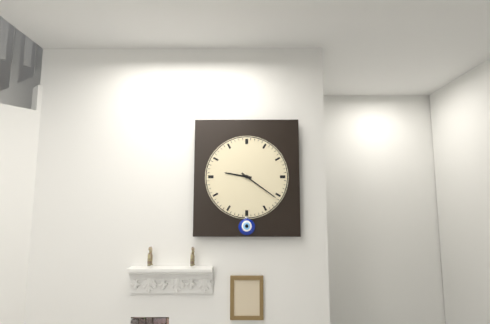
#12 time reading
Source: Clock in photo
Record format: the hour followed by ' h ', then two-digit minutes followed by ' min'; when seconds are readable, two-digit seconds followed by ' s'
9 h 21 min
